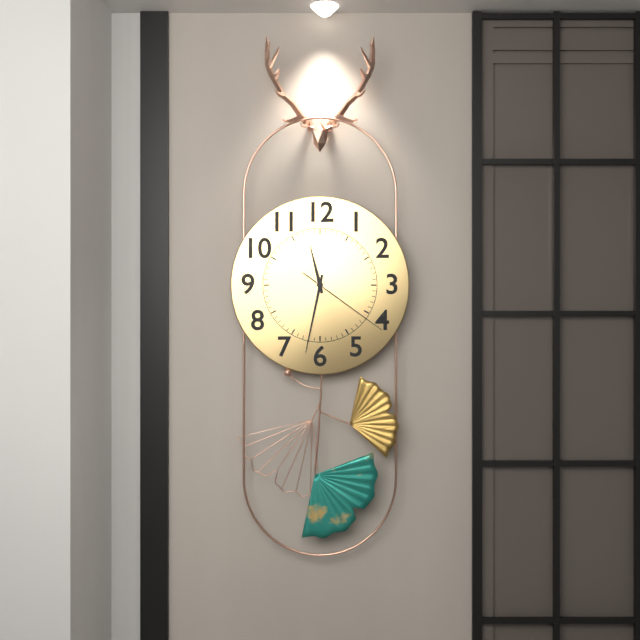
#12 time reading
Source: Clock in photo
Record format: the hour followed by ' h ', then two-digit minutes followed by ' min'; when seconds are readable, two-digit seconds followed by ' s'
11 h 32 min 21 s
